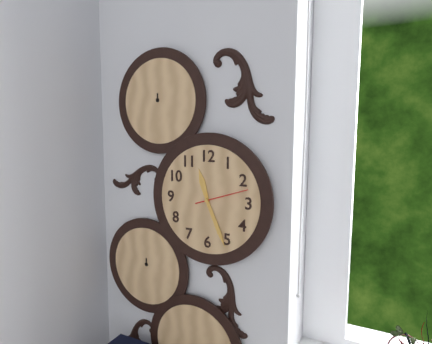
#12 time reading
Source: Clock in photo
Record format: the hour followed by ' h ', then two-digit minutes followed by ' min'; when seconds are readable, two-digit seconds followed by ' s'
11 h 26 min 12 s
